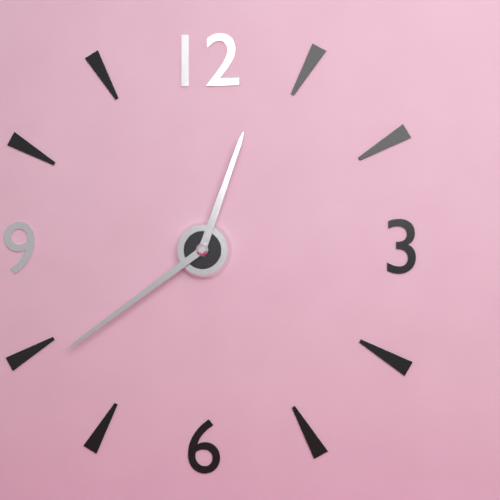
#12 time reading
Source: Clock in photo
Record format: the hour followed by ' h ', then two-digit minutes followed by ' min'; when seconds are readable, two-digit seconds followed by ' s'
12 h 39 min
